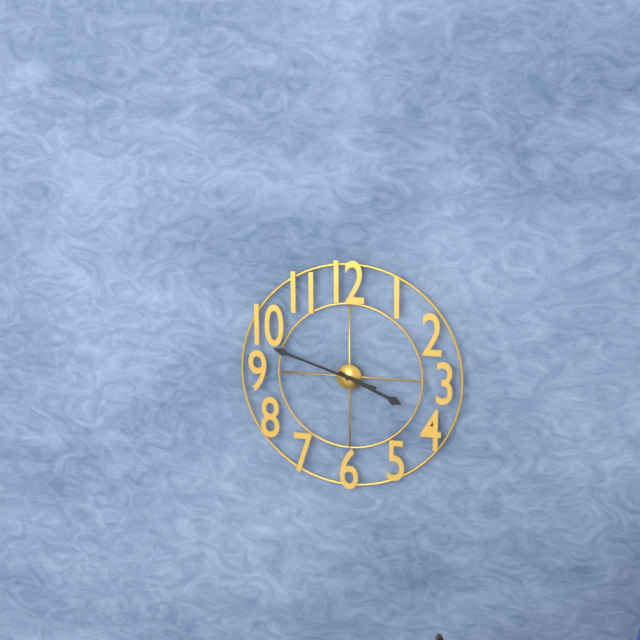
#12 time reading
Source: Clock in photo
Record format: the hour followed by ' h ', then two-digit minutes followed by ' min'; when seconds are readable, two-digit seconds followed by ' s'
3 h 48 min
